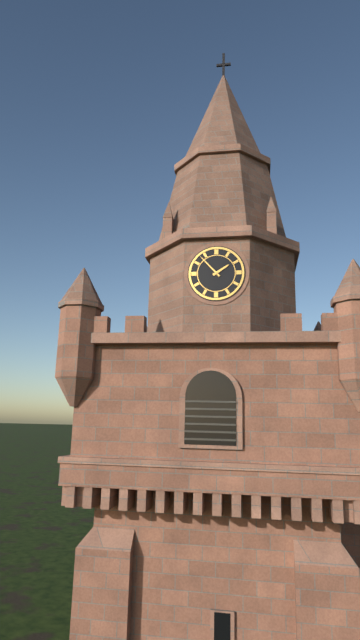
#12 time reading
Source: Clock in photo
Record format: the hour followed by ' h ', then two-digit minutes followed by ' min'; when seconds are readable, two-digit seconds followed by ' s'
1 h 53 min
